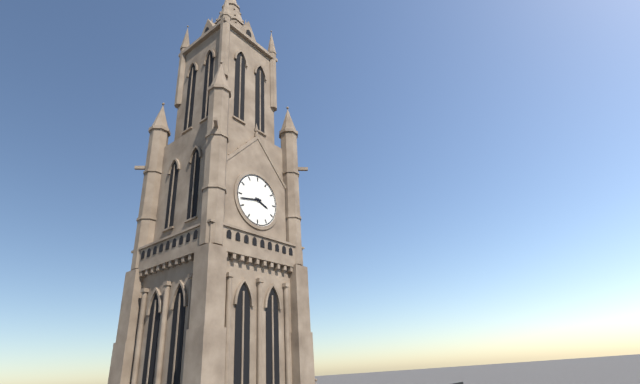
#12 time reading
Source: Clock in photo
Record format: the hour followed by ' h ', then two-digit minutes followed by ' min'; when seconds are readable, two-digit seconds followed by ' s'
3 h 43 min
